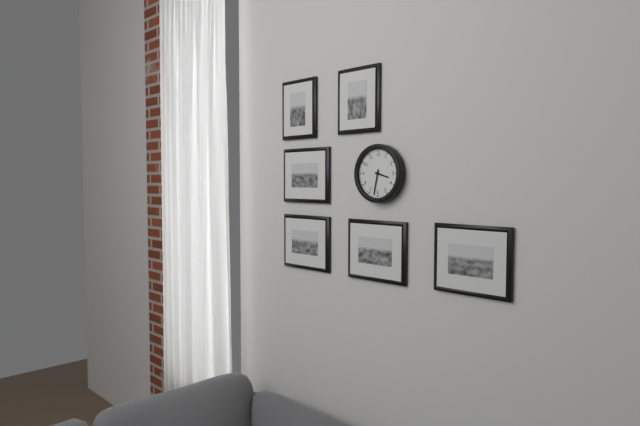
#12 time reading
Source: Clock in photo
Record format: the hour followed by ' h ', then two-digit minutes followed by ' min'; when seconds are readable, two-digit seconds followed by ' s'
3 h 32 min
